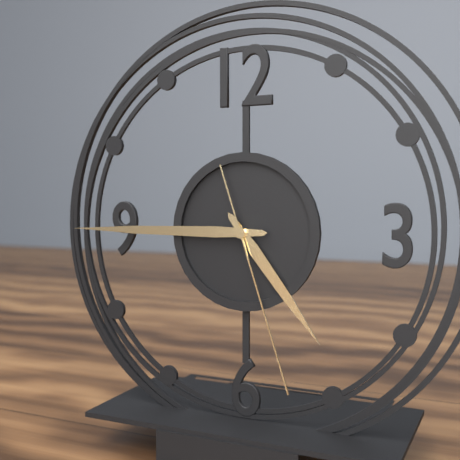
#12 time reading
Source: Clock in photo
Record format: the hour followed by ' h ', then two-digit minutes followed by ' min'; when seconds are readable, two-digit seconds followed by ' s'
4 h 45 min 27 s
